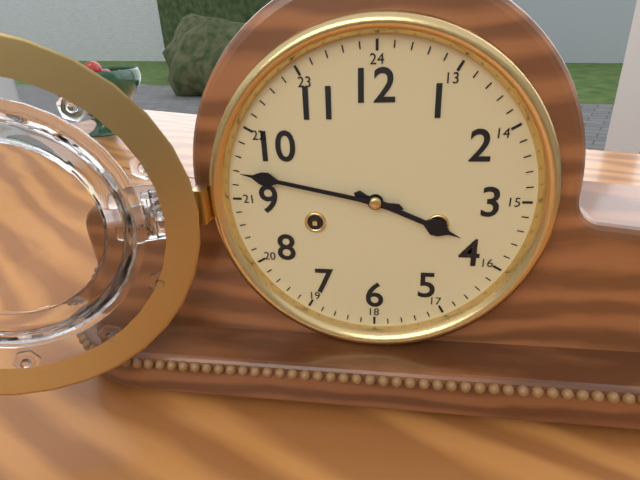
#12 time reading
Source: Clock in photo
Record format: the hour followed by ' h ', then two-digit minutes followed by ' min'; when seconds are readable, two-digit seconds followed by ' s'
3 h 47 min
